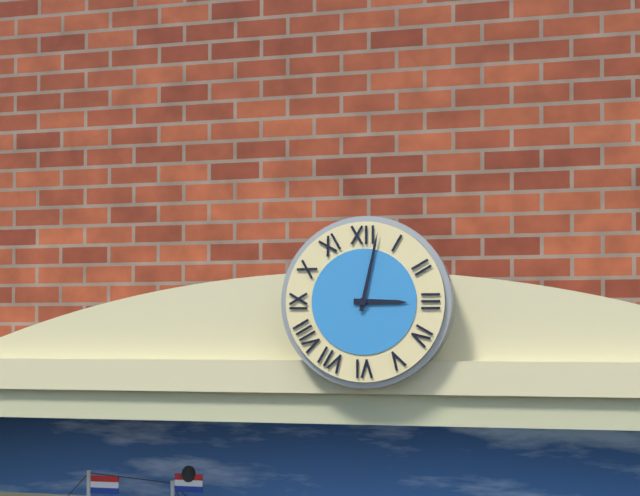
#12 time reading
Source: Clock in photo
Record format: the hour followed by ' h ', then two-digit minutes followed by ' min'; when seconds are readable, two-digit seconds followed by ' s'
3 h 02 min
